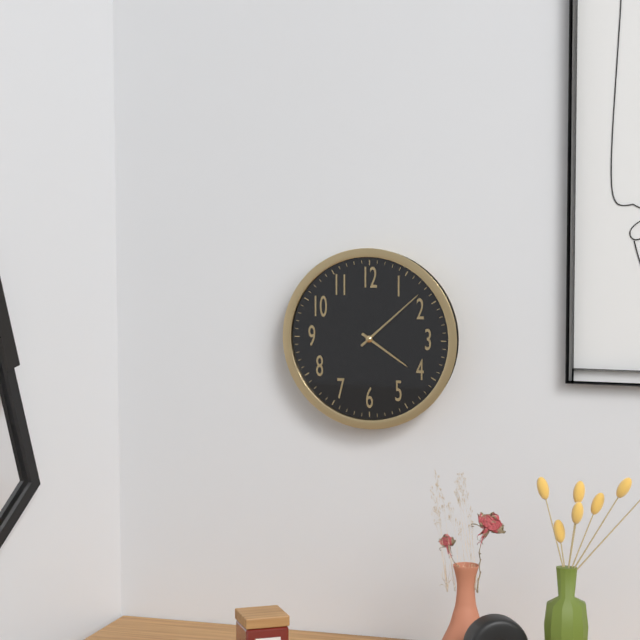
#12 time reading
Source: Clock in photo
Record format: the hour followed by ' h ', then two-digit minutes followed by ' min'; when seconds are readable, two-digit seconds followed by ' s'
4 h 08 min
